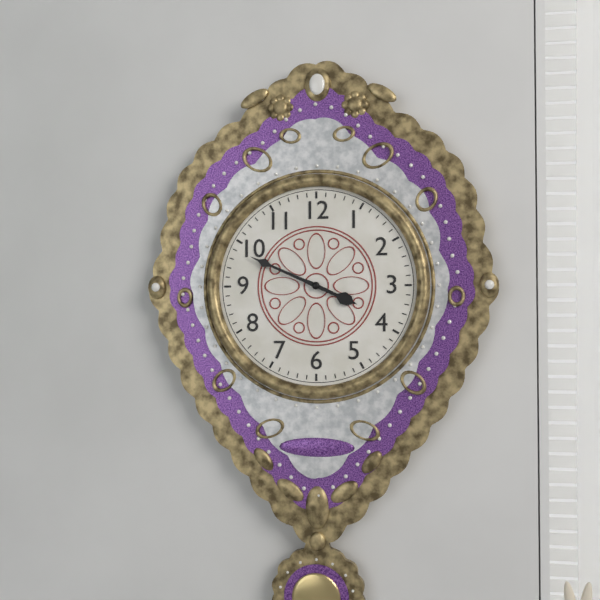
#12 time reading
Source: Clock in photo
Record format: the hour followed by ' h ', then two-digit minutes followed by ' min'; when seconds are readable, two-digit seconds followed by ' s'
3 h 49 min
